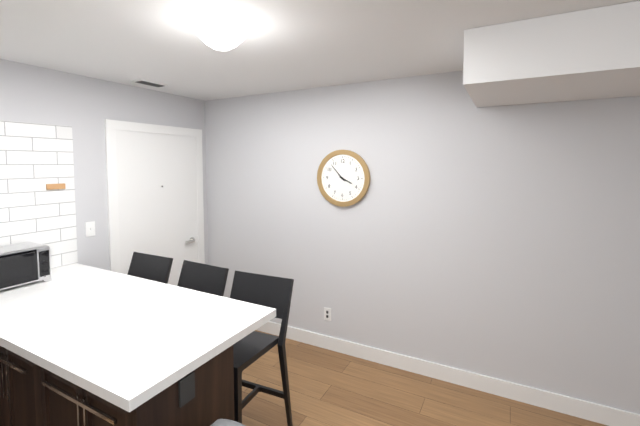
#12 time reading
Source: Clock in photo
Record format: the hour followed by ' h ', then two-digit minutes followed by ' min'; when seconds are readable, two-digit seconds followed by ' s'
3 h 53 min
